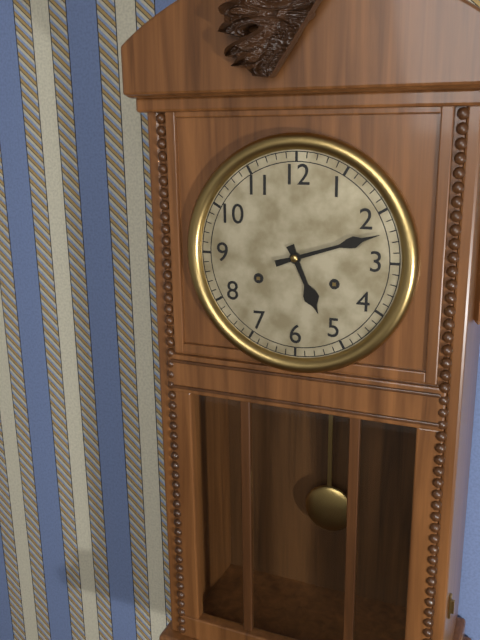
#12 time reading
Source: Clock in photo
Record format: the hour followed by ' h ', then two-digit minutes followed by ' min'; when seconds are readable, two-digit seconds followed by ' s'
5 h 12 min
